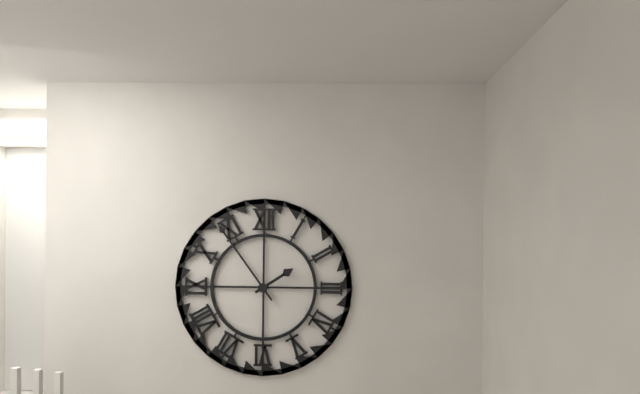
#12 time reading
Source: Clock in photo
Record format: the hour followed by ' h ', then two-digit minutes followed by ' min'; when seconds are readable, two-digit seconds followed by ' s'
1 h 54 min
